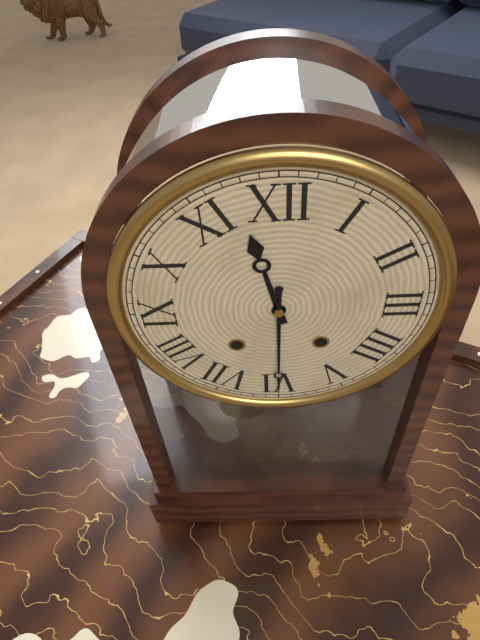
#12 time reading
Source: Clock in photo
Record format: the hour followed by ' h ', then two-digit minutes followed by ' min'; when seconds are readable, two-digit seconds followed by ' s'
11 h 30 min
